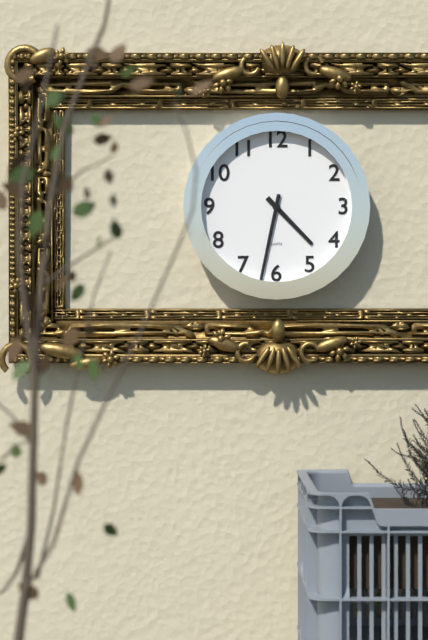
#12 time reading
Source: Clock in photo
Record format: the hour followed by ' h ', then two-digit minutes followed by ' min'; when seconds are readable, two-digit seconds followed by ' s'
4 h 32 min
